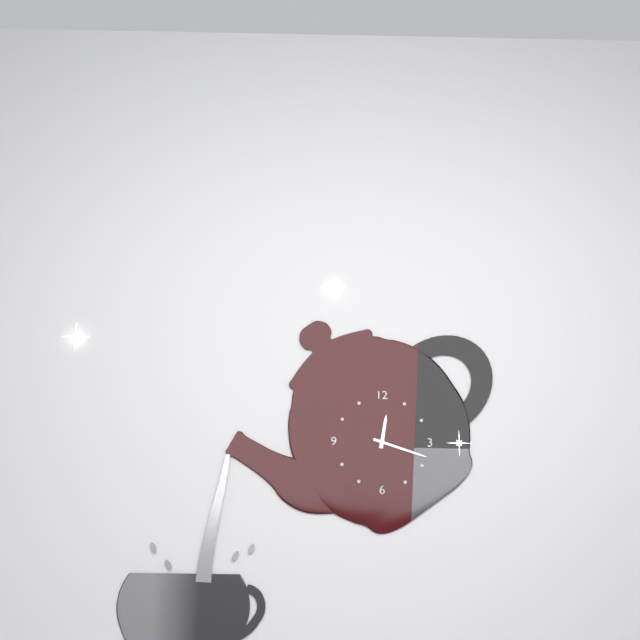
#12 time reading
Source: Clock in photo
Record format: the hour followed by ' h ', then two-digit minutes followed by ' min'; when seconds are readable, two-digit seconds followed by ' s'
12 h 18 min
